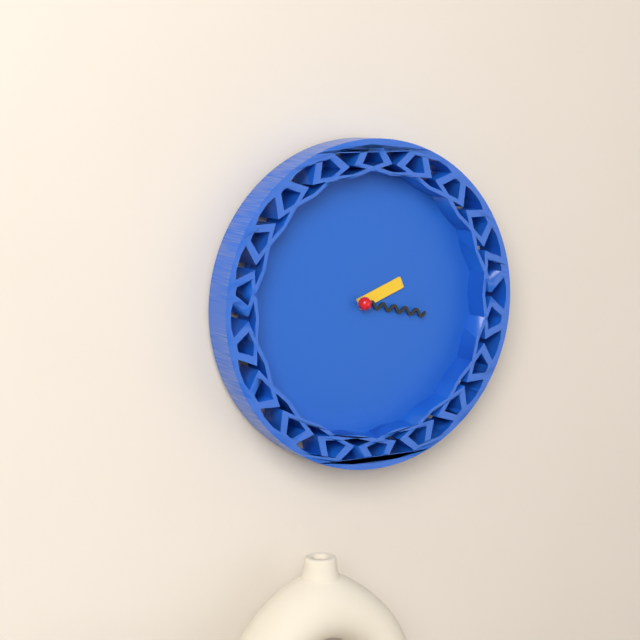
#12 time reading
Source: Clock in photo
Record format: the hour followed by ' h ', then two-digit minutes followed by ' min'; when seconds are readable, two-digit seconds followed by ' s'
2 h 17 min
